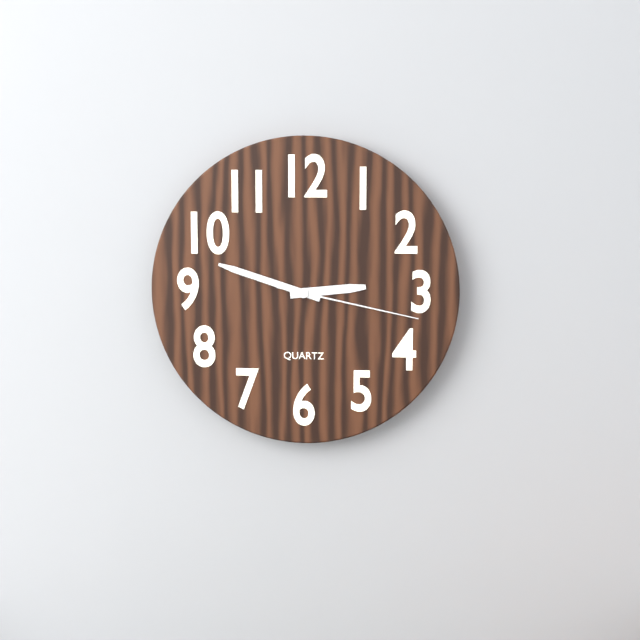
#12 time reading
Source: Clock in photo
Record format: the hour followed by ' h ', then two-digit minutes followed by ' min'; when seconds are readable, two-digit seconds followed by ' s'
2 h 48 min 17 s
